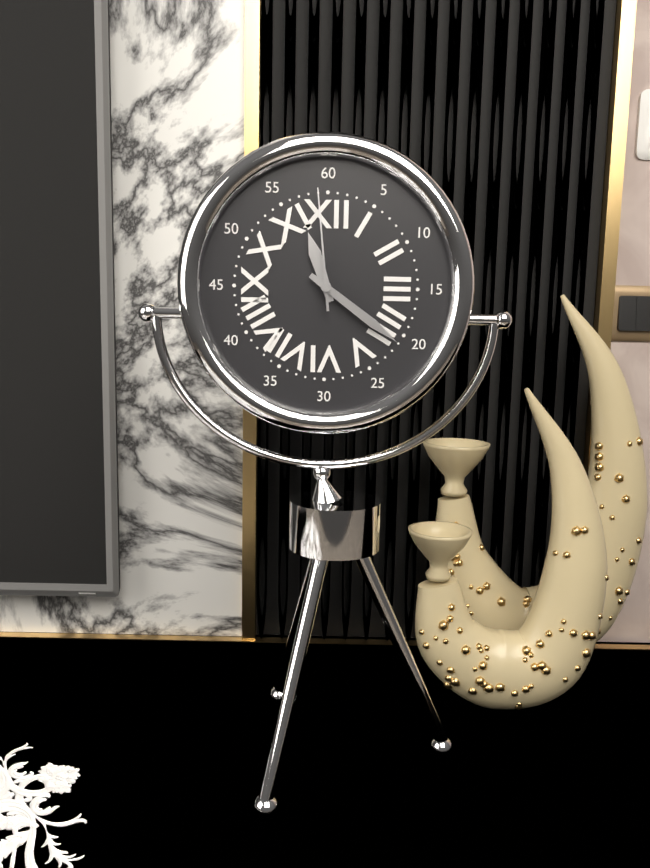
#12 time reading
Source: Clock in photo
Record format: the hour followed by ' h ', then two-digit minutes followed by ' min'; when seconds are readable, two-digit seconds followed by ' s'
11 h 21 min 59 s
